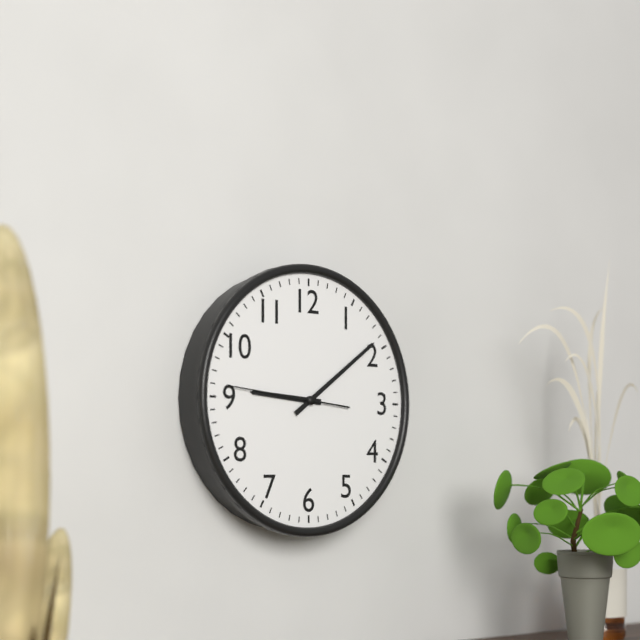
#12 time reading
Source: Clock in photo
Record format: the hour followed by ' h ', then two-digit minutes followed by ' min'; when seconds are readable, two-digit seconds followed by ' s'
9 h 09 min 46 s
